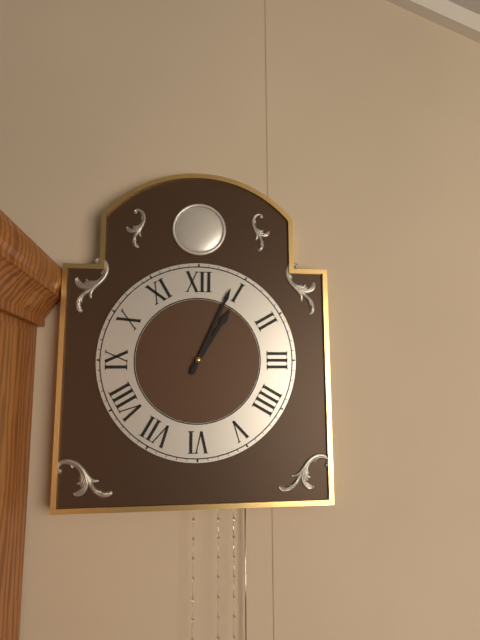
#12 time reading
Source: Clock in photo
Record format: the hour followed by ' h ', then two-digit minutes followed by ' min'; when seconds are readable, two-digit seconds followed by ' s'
1 h 04 min
